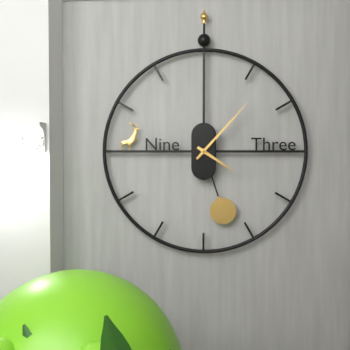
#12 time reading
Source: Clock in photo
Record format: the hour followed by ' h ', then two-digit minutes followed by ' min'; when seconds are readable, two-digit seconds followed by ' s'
4 h 07 min
